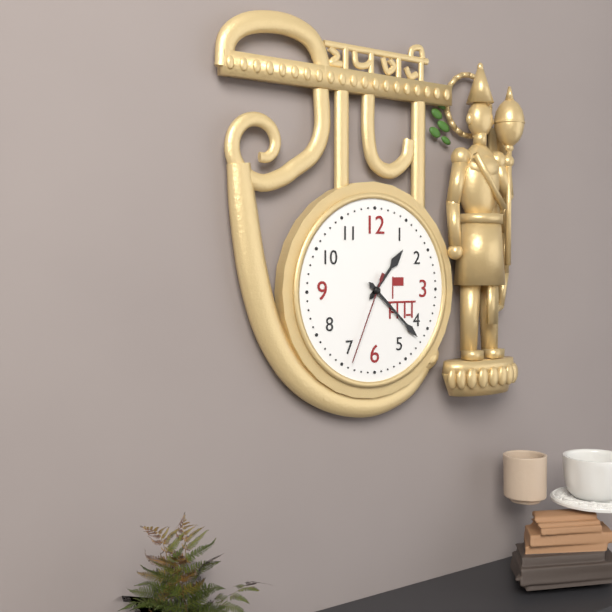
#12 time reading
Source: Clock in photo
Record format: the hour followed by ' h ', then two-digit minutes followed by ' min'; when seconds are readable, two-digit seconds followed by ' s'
1 h 22 min 34 s
